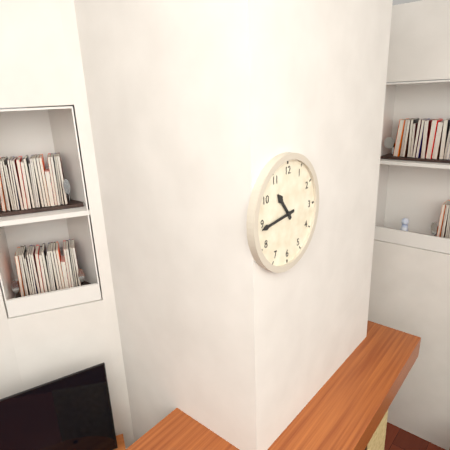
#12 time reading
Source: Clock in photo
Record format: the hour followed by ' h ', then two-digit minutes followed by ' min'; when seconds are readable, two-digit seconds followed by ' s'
10 h 44 min
